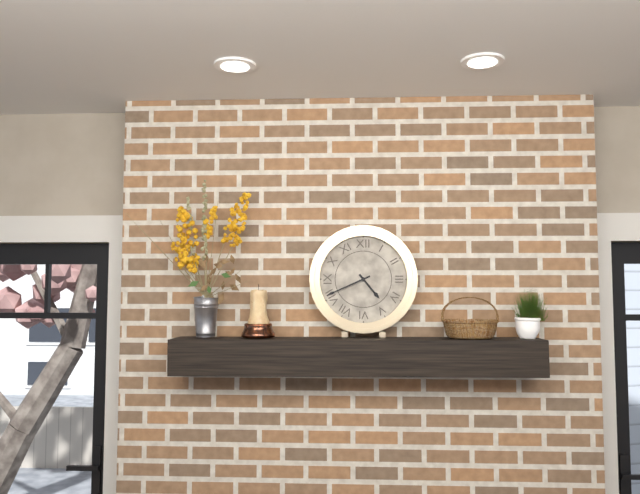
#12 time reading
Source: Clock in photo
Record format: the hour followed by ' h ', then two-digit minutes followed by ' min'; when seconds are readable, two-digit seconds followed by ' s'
4 h 41 min
